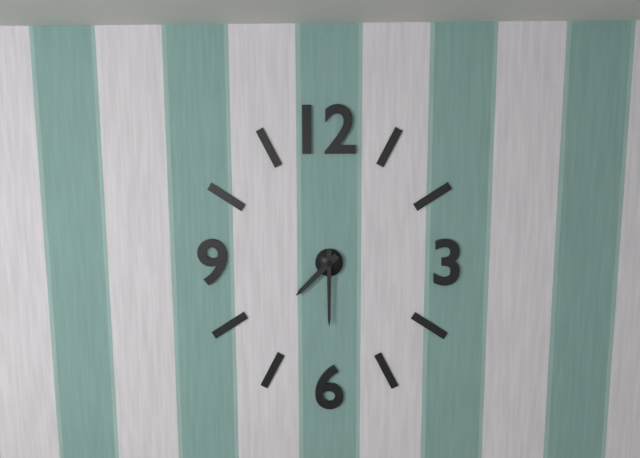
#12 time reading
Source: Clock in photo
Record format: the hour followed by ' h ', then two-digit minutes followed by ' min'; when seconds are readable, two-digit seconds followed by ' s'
7 h 30 min
